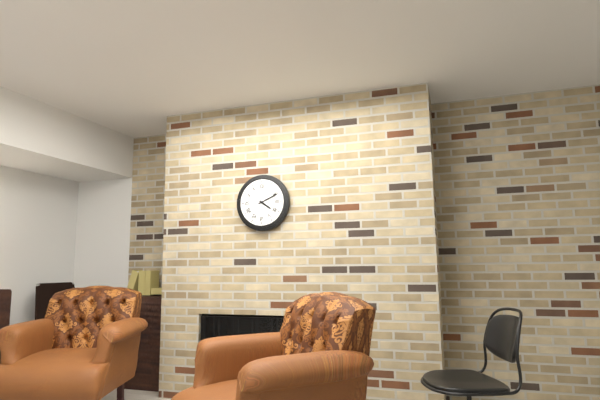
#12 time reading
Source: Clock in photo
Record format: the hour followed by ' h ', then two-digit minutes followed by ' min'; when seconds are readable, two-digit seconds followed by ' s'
4 h 11 min
